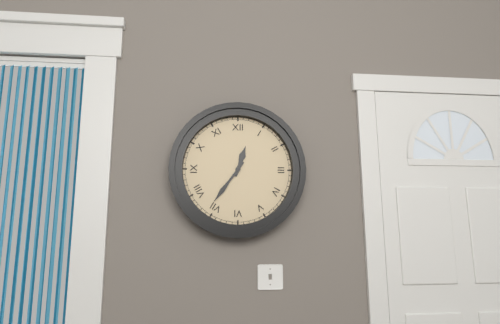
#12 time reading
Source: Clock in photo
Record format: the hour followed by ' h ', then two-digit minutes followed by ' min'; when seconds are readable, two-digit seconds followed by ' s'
12 h 36 min
